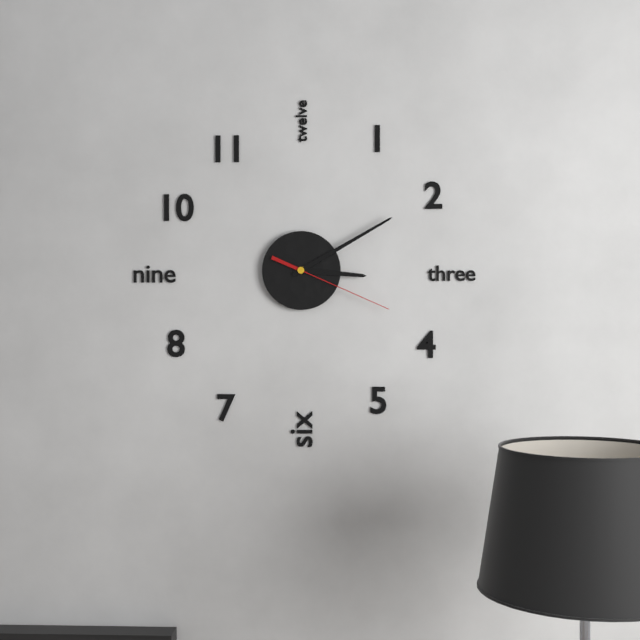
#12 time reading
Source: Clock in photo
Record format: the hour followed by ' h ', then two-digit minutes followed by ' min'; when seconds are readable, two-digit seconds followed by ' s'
3 h 10 min 19 s
